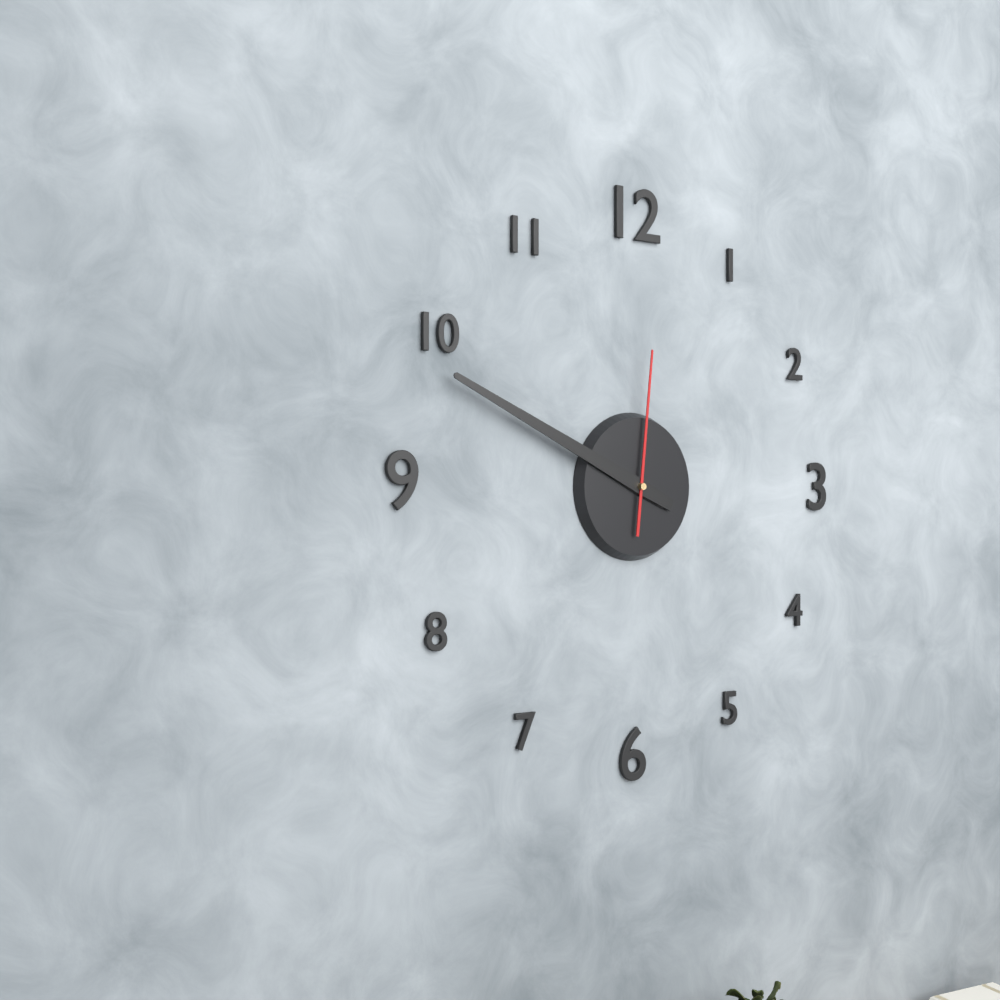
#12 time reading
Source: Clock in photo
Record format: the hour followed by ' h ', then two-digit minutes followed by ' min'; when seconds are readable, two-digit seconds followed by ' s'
9 h 49 min 01 s
